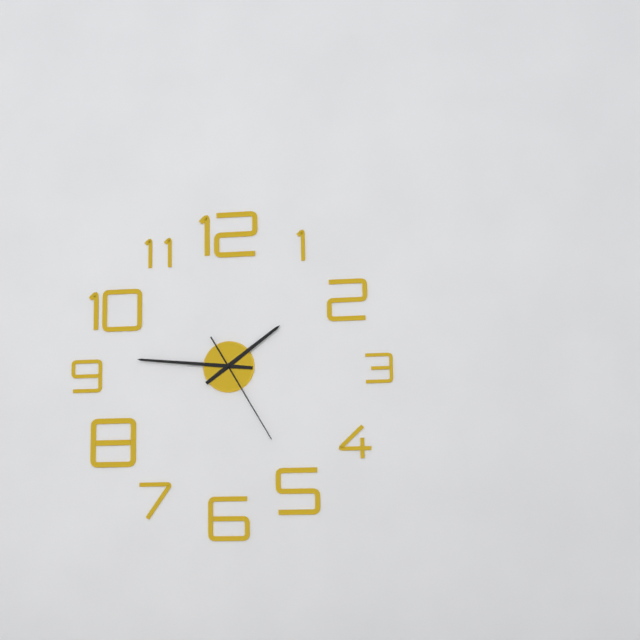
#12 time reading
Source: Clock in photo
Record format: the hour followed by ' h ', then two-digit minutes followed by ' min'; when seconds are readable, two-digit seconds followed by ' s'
1 h 46 min 25 s
